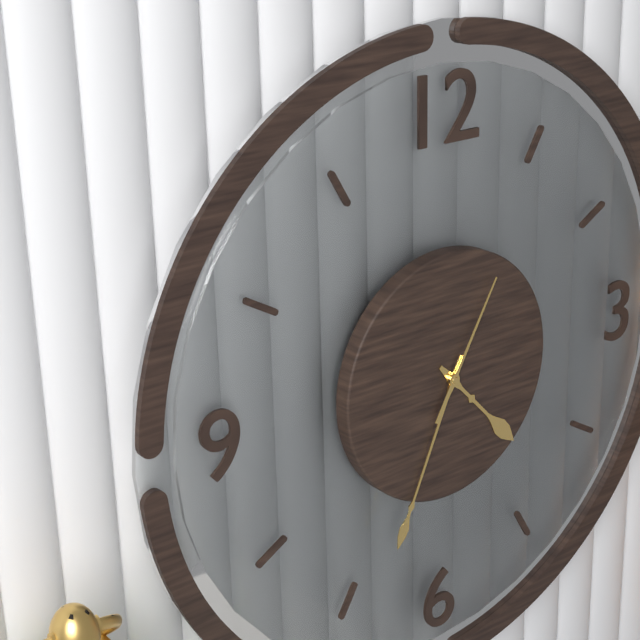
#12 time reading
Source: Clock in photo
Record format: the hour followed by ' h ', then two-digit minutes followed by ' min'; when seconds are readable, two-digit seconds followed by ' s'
4 h 34 min 05 s
